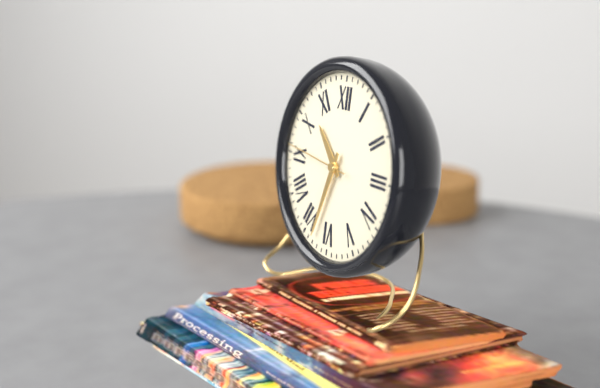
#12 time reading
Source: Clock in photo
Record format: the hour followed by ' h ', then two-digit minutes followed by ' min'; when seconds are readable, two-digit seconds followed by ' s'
10 h 33 min 46 s
